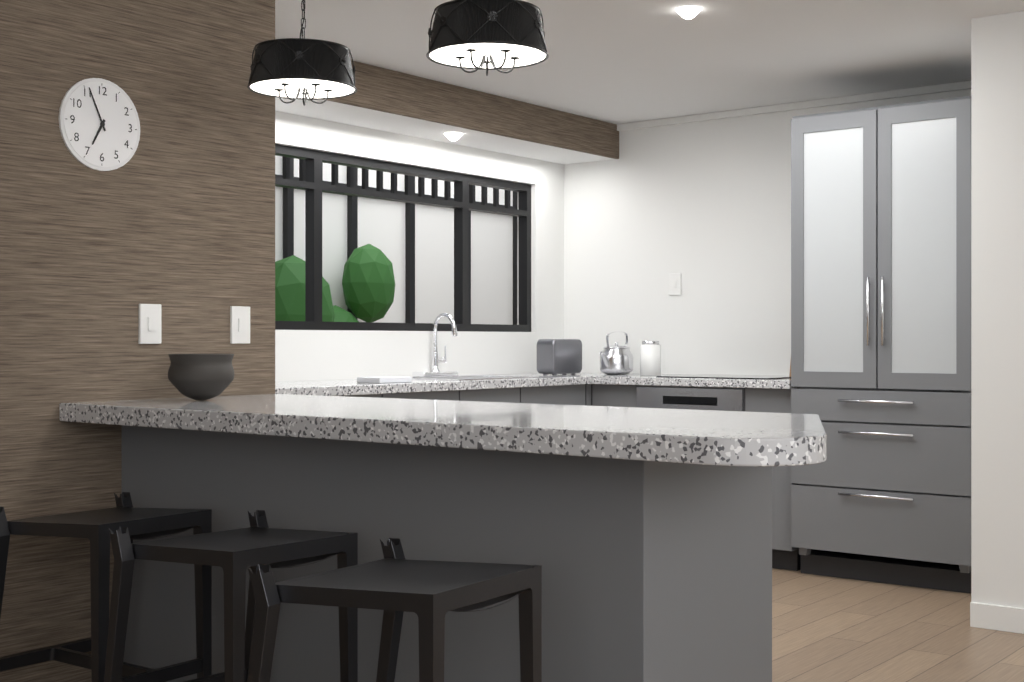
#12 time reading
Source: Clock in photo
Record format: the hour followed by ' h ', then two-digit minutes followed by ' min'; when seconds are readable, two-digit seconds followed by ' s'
6 h 56 min
